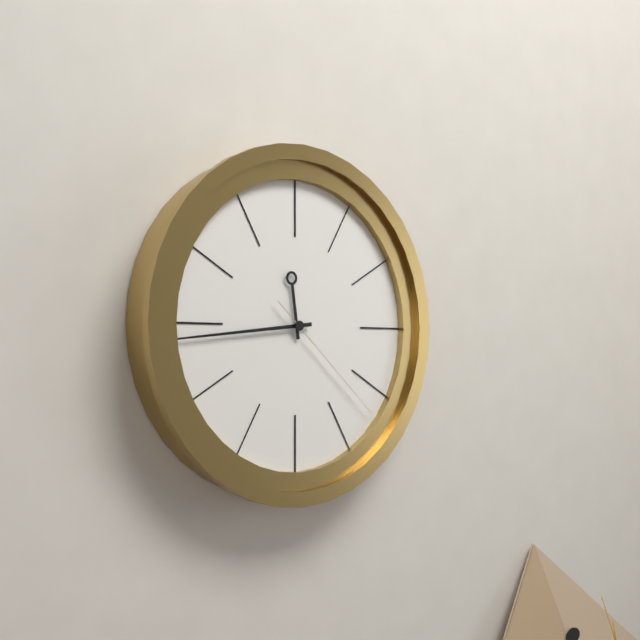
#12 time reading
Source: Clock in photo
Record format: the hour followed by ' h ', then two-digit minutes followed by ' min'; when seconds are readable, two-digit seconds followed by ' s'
11 h 44 min 22 s
